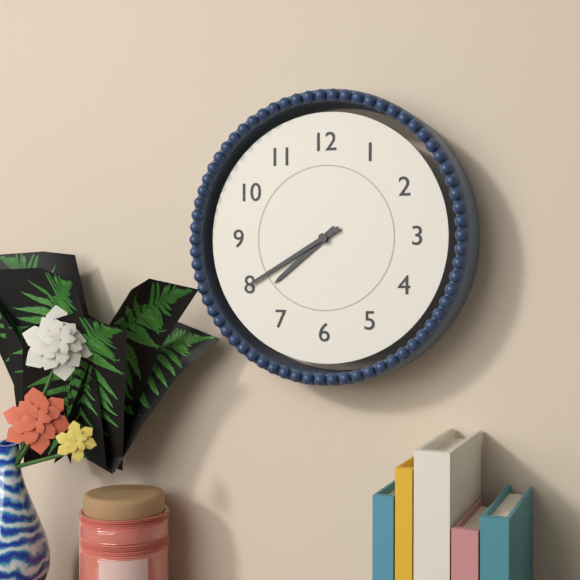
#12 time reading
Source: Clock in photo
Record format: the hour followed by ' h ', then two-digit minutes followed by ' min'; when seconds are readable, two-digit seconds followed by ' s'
7 h 40 min
